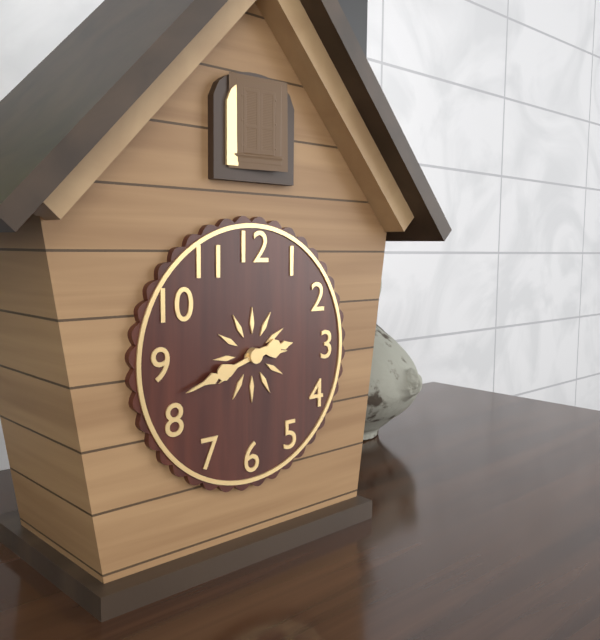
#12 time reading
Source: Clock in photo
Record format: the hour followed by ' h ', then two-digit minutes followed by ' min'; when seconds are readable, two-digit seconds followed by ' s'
2 h 42 min
